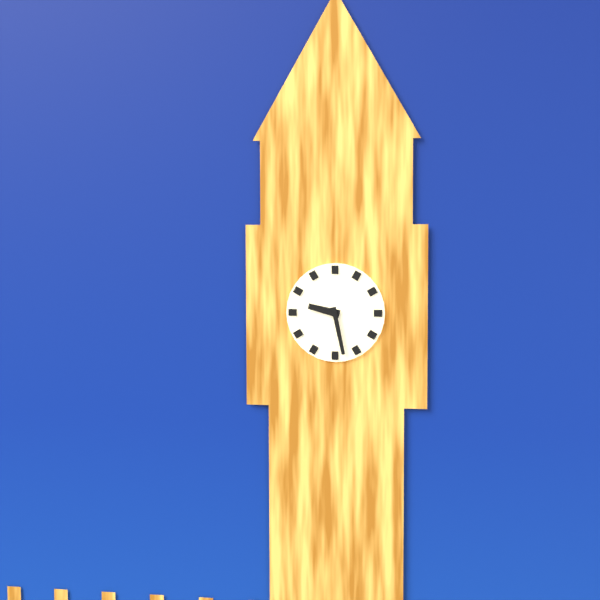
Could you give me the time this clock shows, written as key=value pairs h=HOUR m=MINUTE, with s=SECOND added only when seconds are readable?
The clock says h=9 m=28
